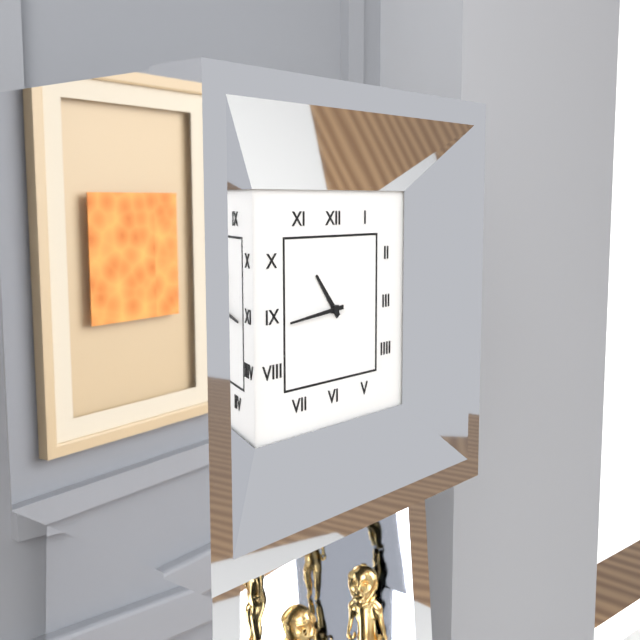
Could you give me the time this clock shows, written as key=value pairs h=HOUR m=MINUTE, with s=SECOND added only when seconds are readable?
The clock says h=10 m=44
